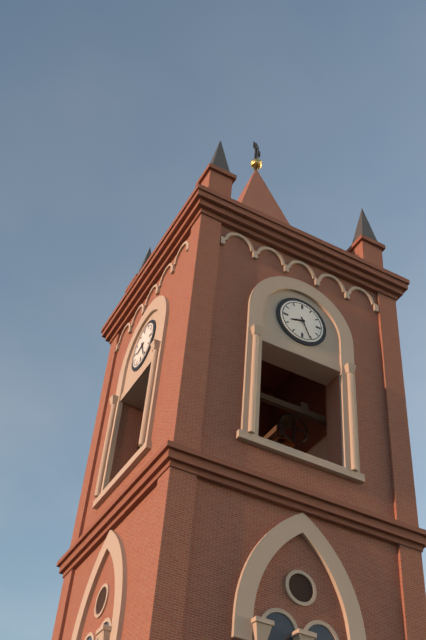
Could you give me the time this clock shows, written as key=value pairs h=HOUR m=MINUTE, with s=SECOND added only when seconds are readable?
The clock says h=8 m=26
